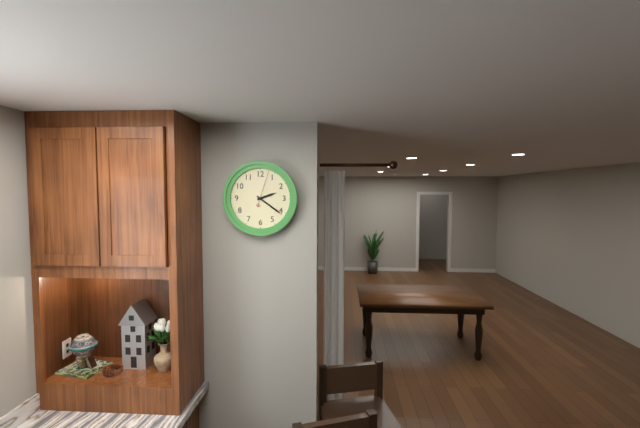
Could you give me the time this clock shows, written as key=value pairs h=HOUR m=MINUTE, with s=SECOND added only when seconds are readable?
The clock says h=2 m=21
